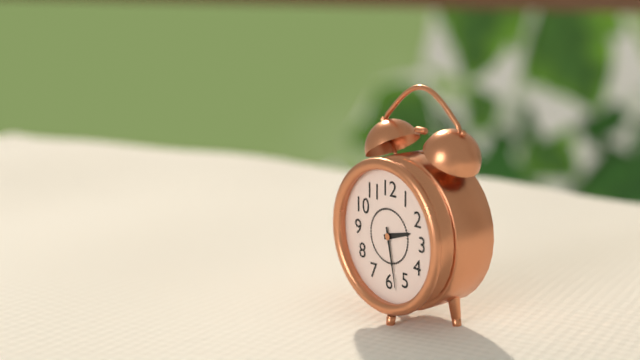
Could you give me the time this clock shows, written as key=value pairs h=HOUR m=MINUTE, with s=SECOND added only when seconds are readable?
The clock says h=2 m=28
